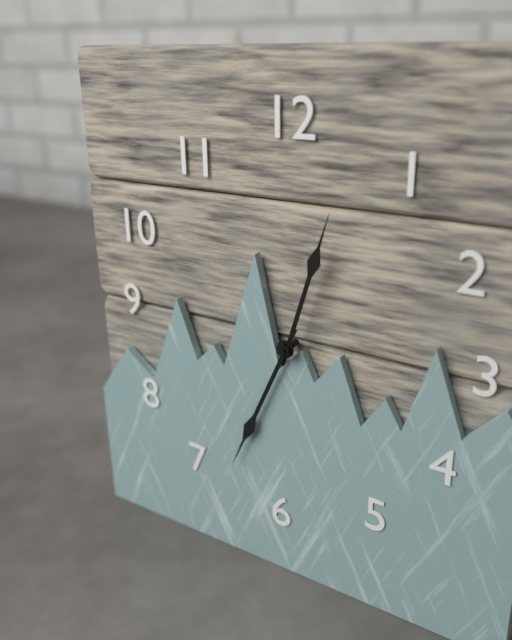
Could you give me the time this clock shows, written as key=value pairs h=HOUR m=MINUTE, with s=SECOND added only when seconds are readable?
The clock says h=12 m=34
